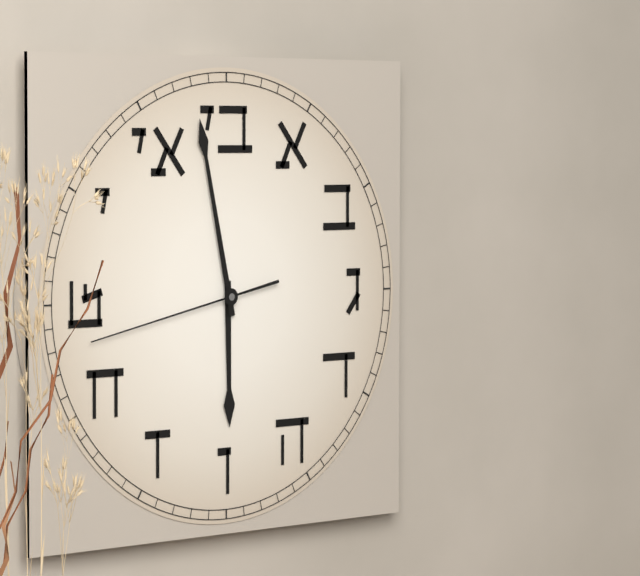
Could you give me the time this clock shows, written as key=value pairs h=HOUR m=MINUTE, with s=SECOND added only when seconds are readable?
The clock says h=5 m=58 s=43
